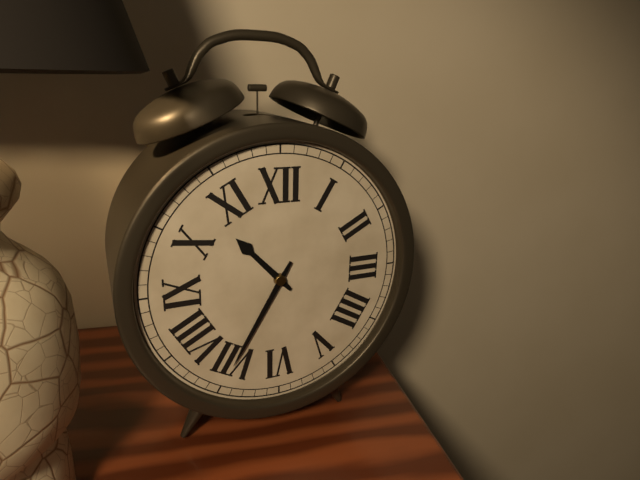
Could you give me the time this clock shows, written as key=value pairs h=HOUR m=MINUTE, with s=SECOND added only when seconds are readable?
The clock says h=10 m=35
